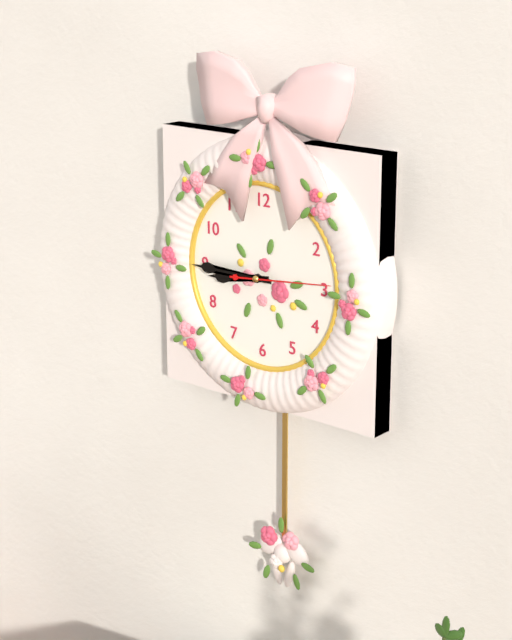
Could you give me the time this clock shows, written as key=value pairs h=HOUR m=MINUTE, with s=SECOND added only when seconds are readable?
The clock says h=8 m=45 s=14
